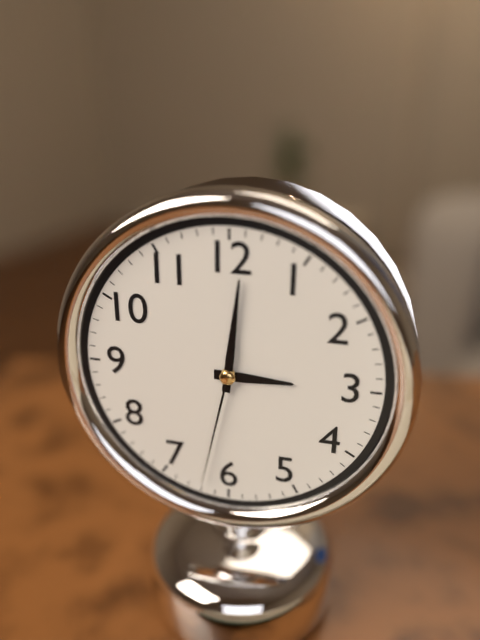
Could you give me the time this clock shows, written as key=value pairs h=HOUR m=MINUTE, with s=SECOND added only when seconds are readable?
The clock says h=3 m=1 s=32
